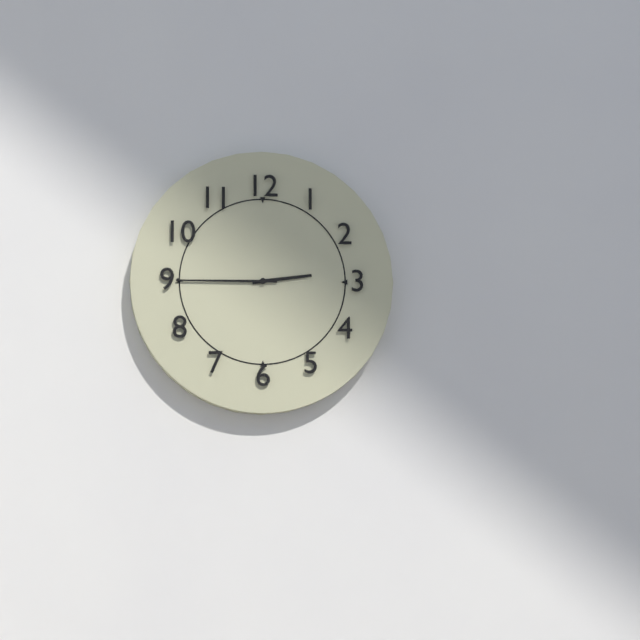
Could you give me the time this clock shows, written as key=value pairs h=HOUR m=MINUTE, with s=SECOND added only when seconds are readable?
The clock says h=2 m=45
